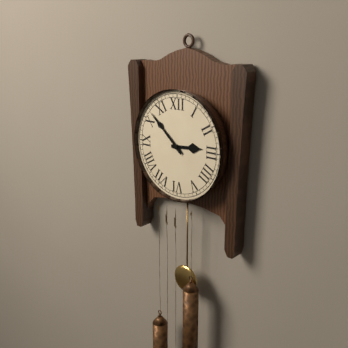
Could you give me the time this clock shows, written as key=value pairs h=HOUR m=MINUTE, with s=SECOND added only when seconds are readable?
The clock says h=2 m=52
